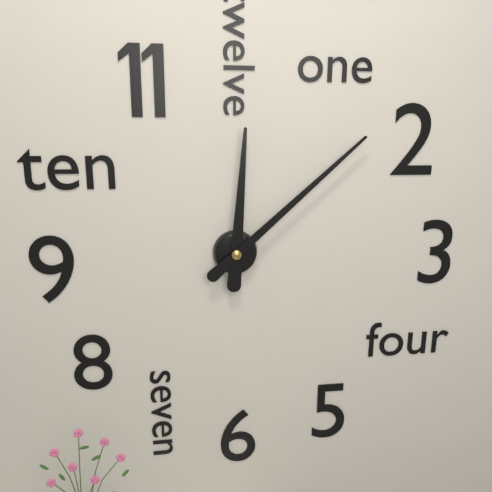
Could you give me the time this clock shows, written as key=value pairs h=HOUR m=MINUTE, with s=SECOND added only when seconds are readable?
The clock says h=12 m=8
